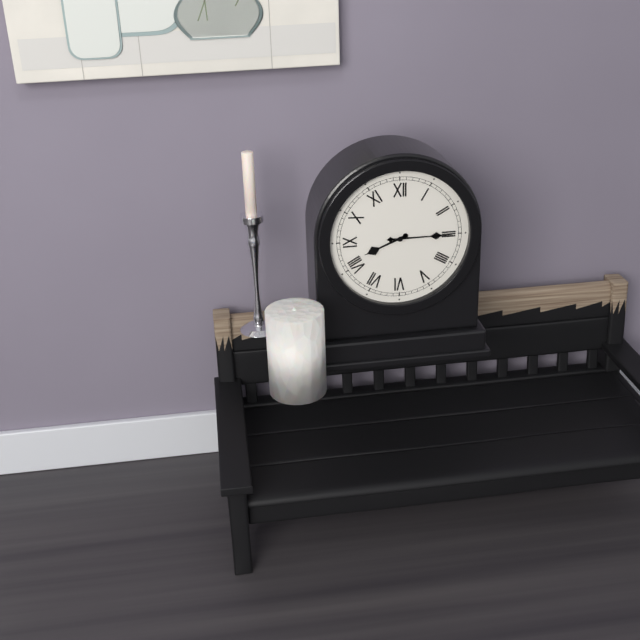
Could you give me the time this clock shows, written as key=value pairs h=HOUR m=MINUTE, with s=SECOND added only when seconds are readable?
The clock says h=8 m=15
